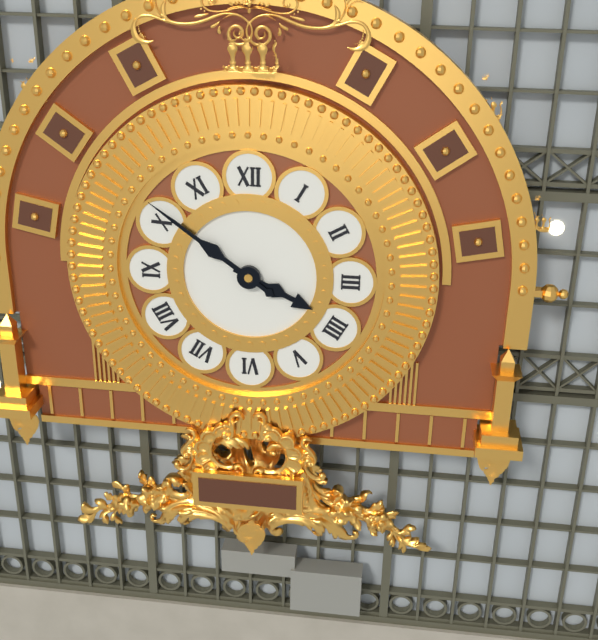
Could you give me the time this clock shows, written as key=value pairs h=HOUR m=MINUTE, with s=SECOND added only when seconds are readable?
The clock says h=3 m=51
